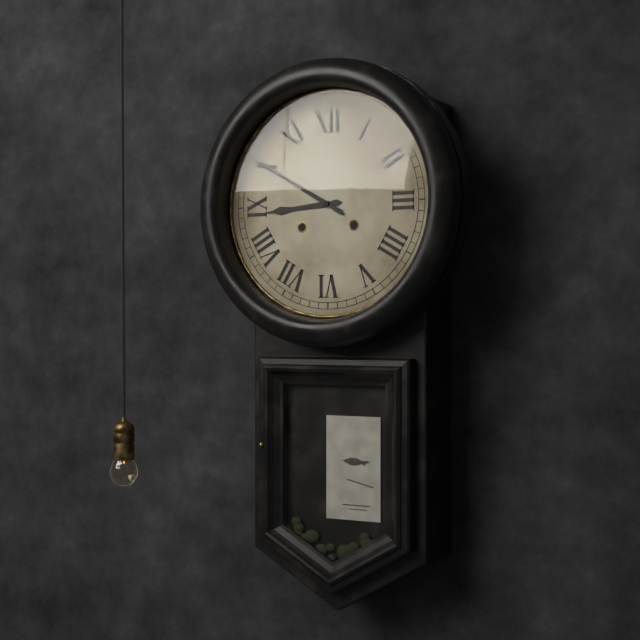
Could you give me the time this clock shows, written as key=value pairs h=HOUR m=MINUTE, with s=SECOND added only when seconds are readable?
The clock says h=8 m=50
